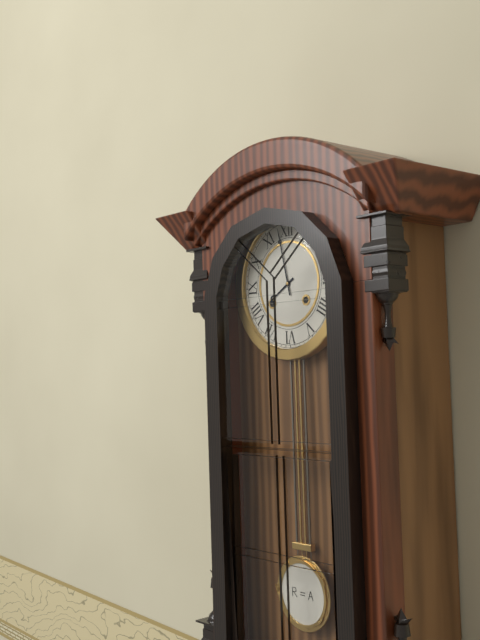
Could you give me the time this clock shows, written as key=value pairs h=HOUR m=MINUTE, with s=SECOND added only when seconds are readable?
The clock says h=7 m=58
